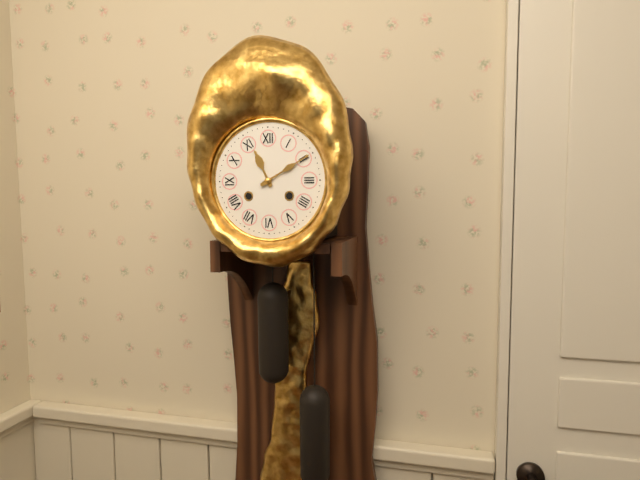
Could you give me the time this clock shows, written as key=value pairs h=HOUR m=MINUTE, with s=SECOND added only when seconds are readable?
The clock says h=11 m=10
